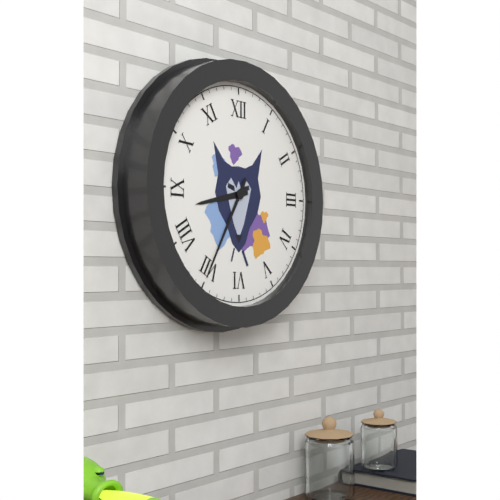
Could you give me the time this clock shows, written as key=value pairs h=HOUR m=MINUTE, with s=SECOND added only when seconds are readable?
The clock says h=8 m=35
